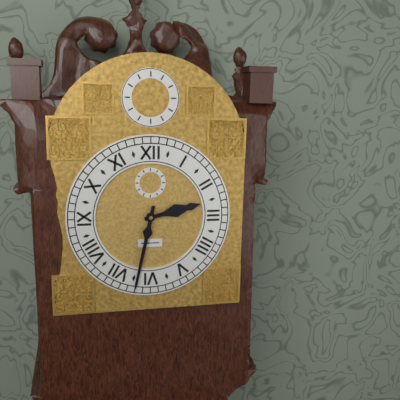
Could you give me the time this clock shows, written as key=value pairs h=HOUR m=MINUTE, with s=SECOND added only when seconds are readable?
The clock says h=2 m=32
